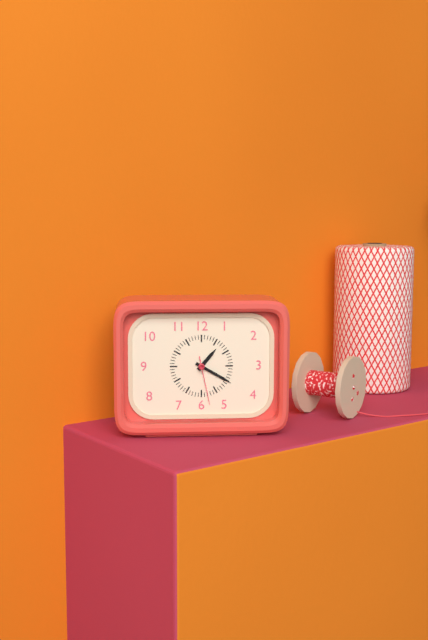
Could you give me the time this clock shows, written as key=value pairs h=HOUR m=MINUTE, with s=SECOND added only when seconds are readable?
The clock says h=1 m=20
